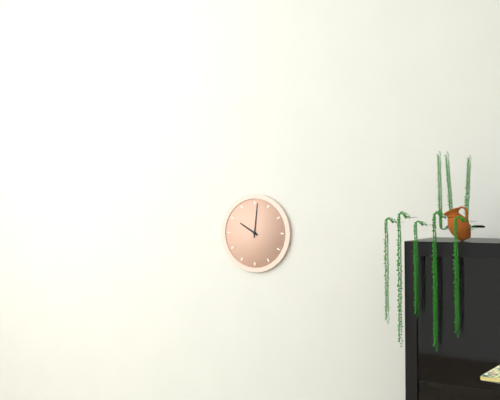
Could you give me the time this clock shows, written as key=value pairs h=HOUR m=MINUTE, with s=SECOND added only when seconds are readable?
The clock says h=10 m=1
